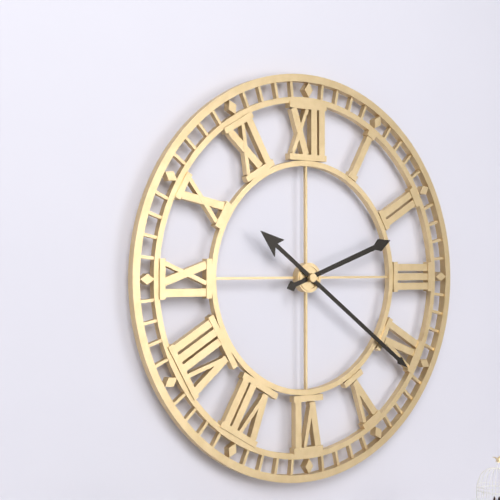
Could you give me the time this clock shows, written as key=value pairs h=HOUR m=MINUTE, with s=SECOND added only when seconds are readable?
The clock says h=2 m=21
